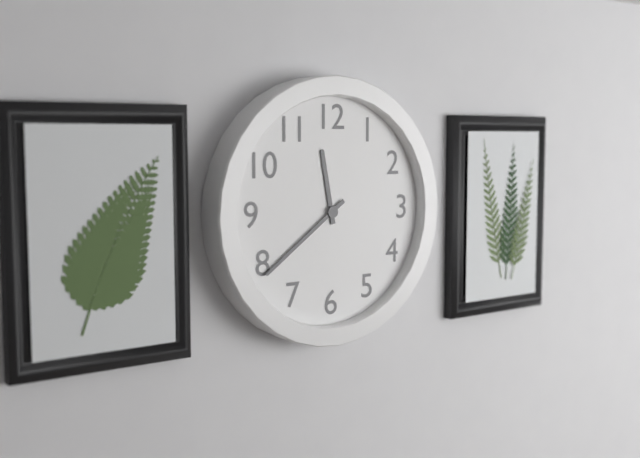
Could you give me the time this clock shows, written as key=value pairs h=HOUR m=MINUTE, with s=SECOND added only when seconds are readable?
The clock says h=11 m=39
